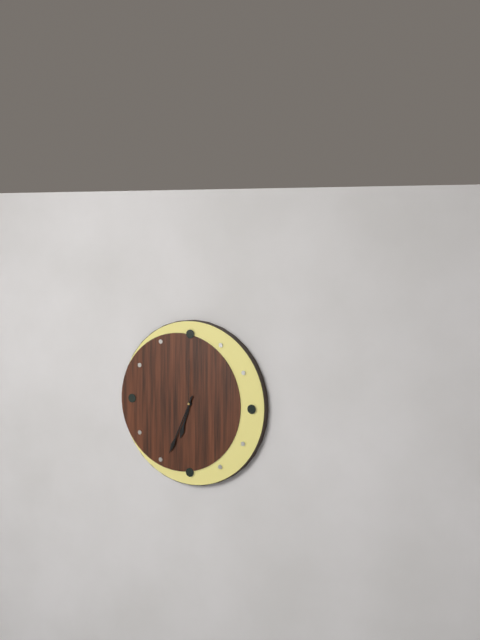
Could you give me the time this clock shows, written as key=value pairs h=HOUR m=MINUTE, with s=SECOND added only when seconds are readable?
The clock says h=6 m=34 s=0
